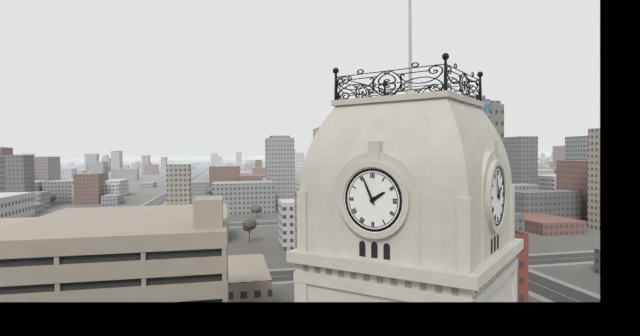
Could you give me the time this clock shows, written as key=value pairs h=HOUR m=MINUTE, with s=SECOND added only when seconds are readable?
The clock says h=1 m=56
